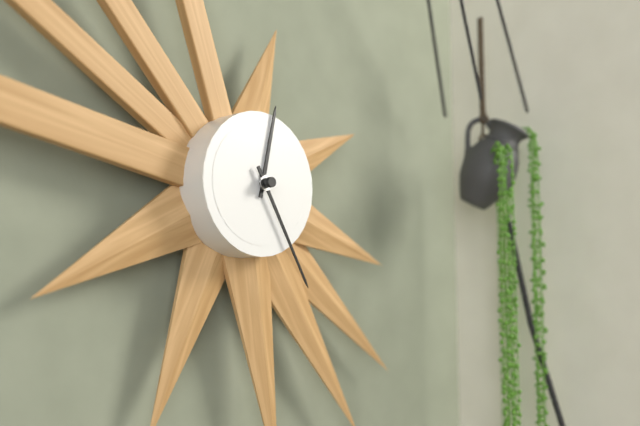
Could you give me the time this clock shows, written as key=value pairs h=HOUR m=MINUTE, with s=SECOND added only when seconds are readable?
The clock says h=12 m=25
